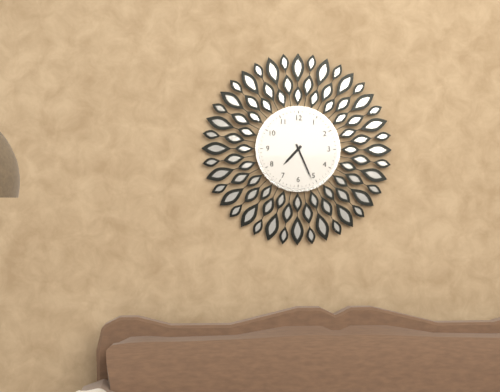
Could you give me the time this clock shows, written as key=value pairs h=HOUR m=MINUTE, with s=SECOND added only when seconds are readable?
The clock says h=7 m=26
